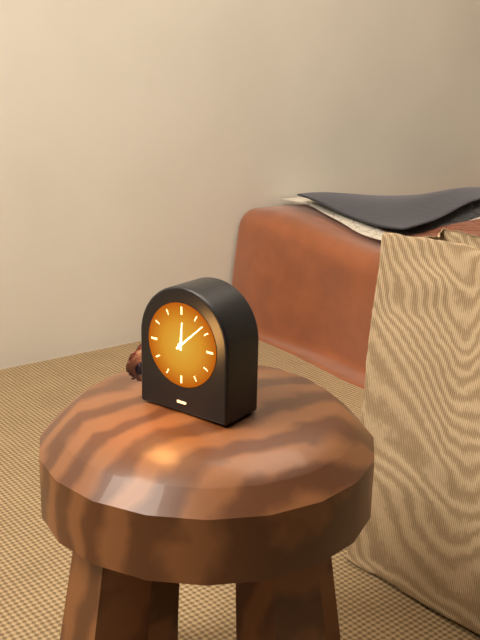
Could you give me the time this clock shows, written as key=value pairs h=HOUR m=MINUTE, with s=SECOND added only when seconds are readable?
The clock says h=12 m=8
